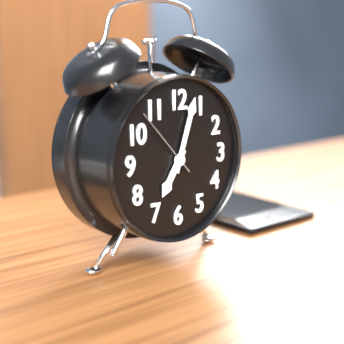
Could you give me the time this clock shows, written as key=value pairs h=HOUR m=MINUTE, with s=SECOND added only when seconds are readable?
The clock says h=7 m=3 s=53
